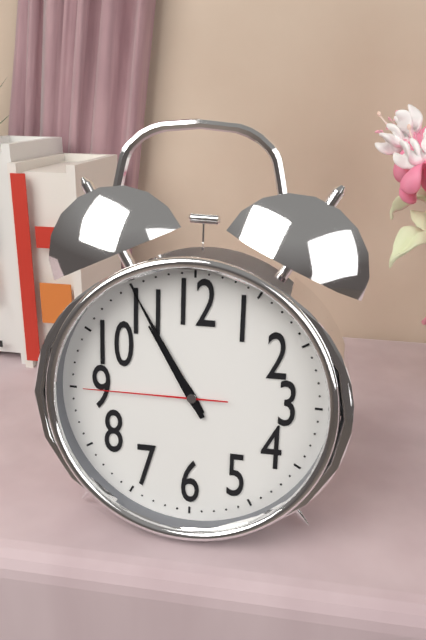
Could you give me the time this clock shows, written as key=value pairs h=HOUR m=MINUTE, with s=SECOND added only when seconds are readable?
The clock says h=10 m=55 s=45
